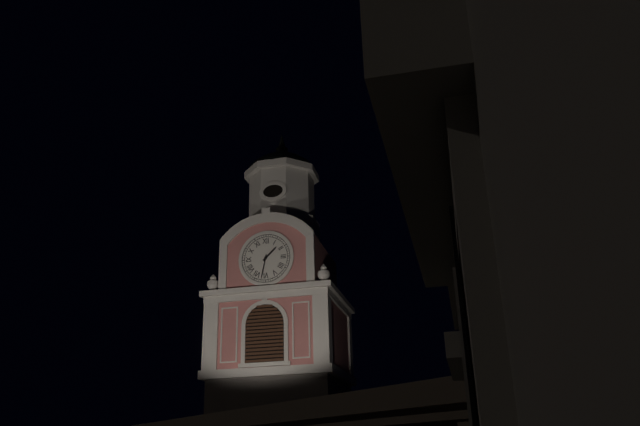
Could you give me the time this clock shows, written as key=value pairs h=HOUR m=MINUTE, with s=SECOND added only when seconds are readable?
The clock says h=1 m=32
